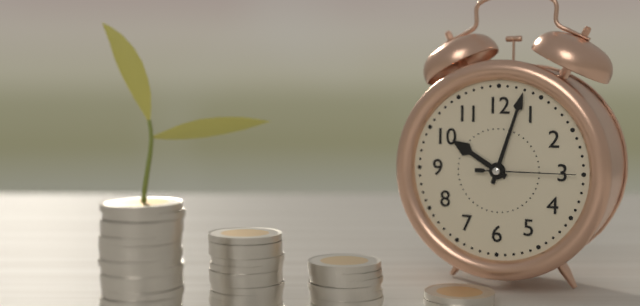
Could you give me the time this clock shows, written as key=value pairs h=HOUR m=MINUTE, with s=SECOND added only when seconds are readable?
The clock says h=10 m=3 s=15
